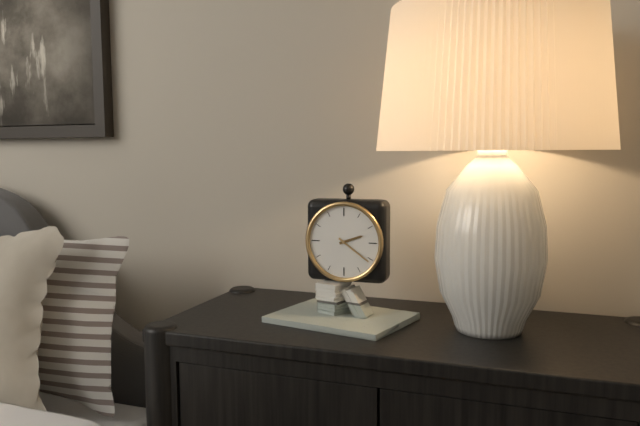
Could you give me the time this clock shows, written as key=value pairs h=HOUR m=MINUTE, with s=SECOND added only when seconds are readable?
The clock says h=2 m=21
